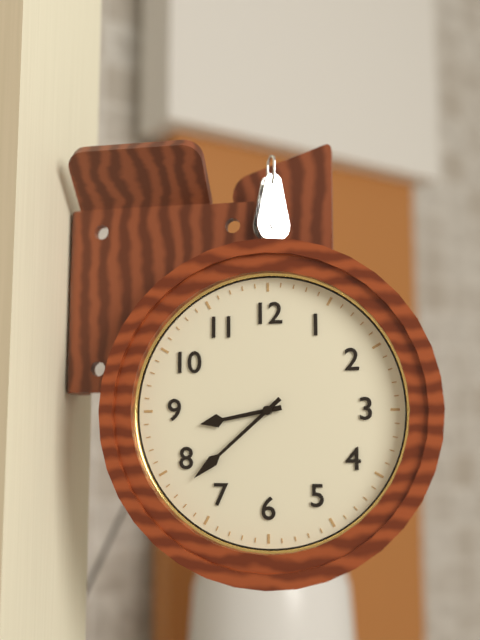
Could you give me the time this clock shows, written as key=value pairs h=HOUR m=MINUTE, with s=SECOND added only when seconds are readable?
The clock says h=8 m=38
